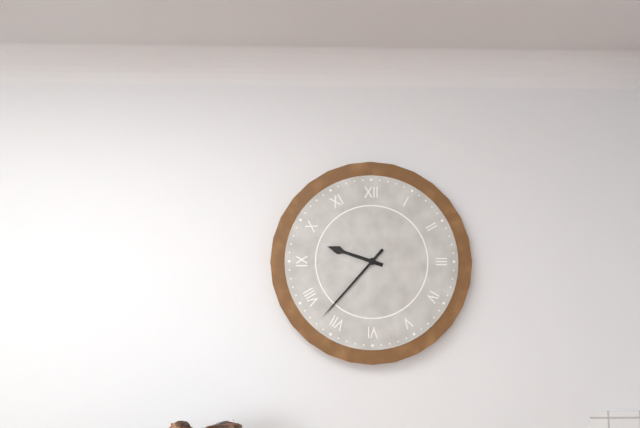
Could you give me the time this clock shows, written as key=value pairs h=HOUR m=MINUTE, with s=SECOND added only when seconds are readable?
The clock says h=9 m=37
